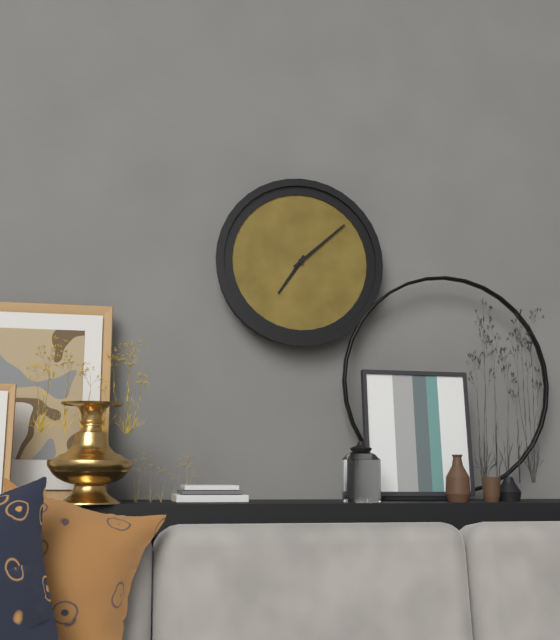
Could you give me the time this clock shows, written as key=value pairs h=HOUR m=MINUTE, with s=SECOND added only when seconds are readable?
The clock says h=7 m=8
